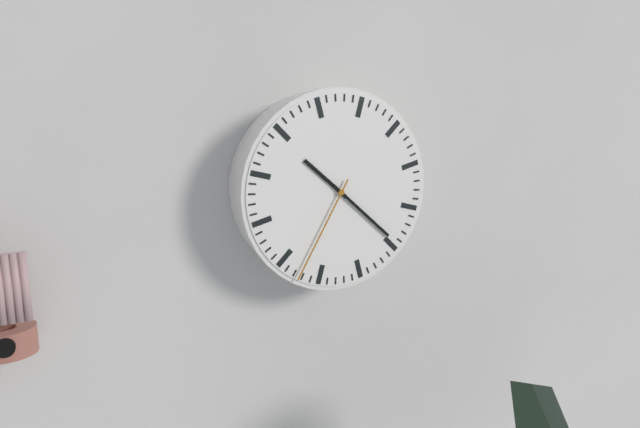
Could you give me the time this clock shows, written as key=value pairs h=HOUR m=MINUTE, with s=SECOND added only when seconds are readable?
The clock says h=10 m=22 s=35
